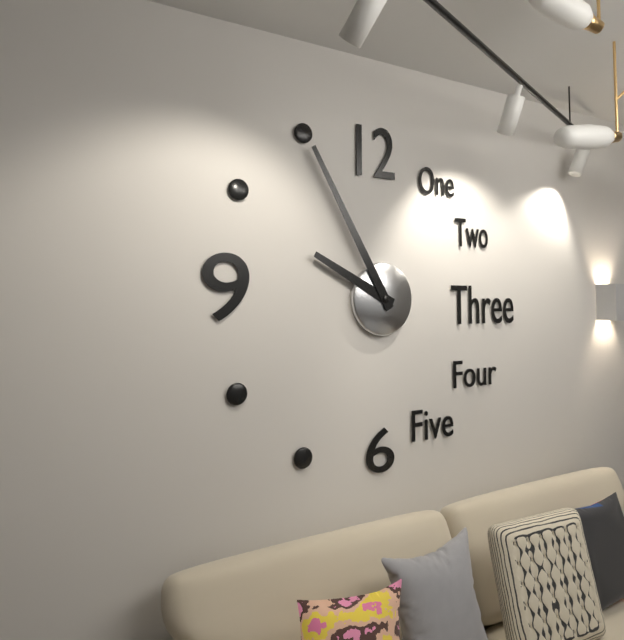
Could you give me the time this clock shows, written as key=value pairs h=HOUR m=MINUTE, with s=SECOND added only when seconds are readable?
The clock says h=9 m=55
